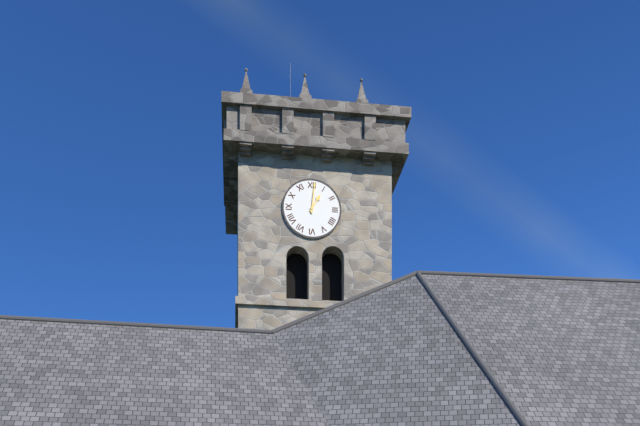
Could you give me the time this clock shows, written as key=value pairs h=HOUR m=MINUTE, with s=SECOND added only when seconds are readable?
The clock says h=1 m=1
